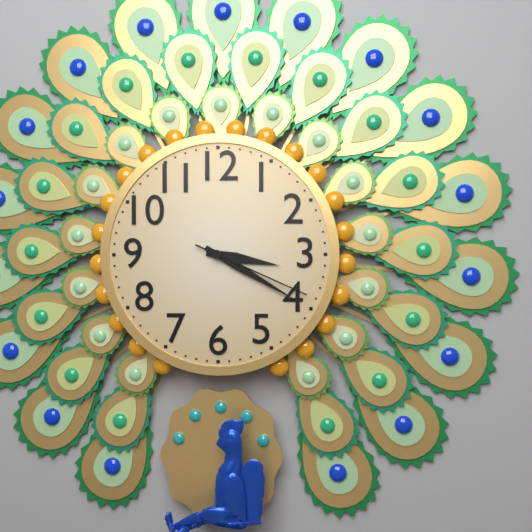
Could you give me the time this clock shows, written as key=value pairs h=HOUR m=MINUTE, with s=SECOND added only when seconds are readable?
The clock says h=3 m=20 s=19
